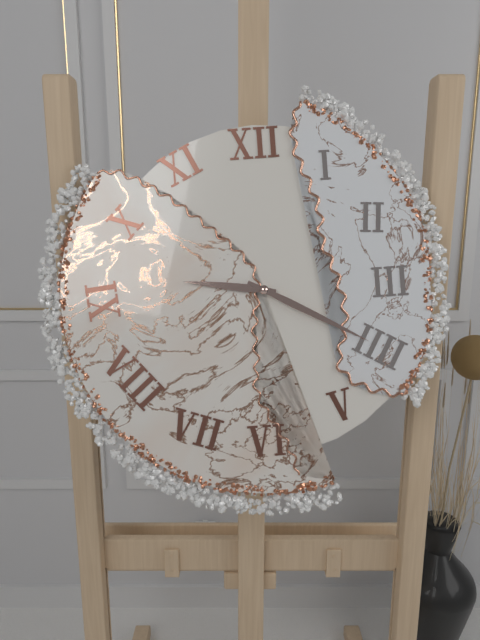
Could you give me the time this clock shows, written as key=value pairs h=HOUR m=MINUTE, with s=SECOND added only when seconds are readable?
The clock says h=9 m=20
